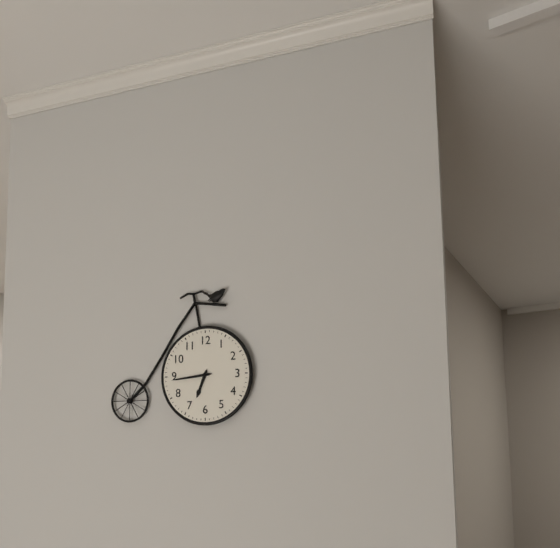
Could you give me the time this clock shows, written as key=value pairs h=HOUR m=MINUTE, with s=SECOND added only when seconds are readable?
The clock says h=6 m=44
